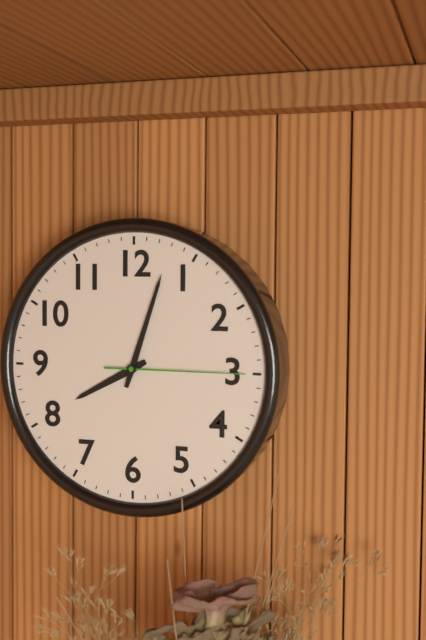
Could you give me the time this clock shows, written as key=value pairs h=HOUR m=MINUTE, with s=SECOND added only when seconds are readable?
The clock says h=8 m=3 s=15
